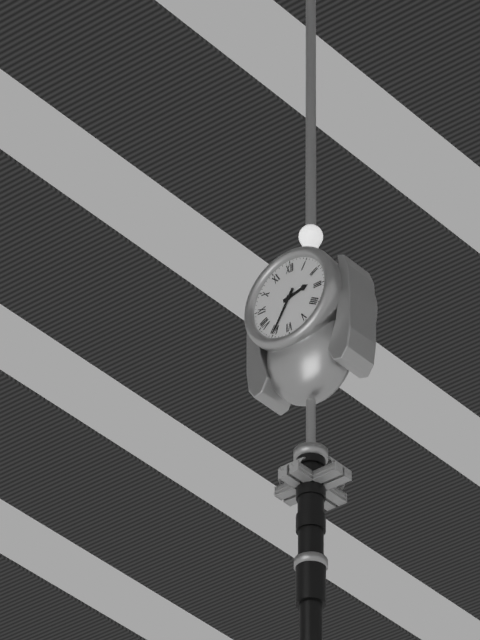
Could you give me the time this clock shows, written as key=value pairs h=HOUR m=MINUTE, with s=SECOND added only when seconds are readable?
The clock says h=2 m=35
